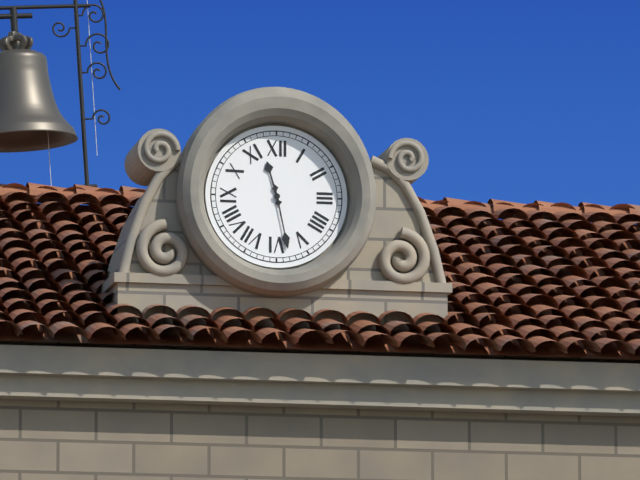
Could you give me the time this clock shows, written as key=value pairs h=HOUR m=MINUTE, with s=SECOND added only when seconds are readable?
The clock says h=11 m=28
